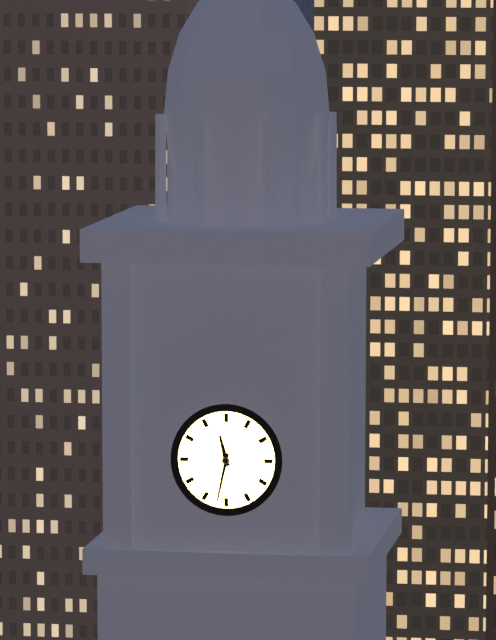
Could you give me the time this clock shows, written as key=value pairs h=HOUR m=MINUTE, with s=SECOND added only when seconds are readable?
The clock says h=11 m=32
